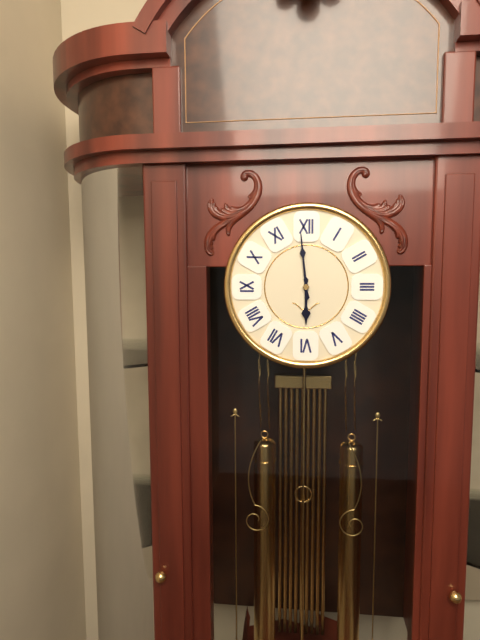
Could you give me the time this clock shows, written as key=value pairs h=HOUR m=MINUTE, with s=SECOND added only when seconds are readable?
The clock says h=5 m=59
